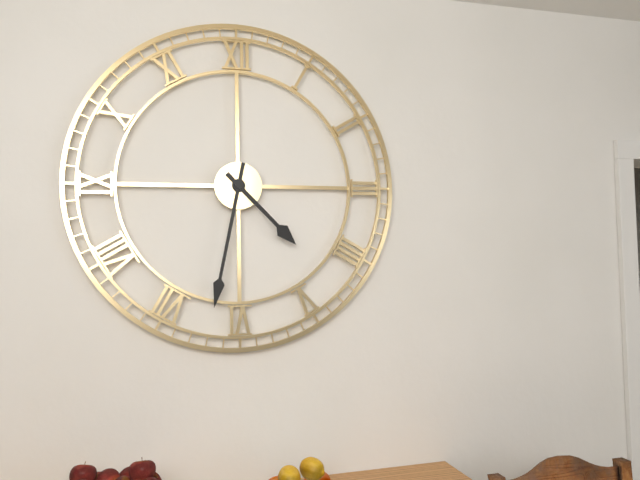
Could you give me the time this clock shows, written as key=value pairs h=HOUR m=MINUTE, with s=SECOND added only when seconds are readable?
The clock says h=4 m=32
